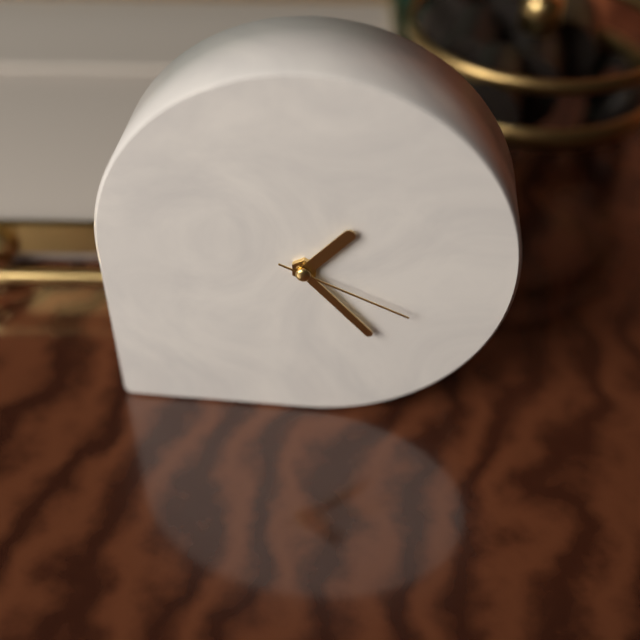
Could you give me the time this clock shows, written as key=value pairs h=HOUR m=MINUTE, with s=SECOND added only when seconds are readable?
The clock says h=1 m=23 s=19
